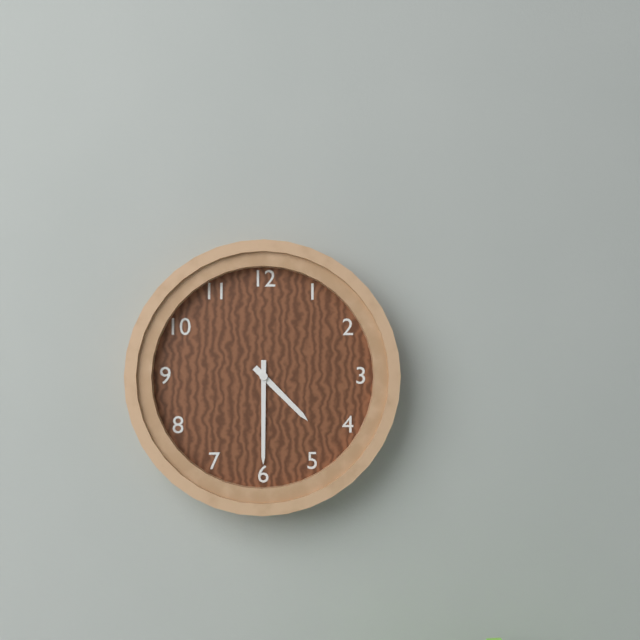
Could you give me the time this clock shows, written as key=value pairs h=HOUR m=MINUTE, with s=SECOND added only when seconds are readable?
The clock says h=4 m=30
